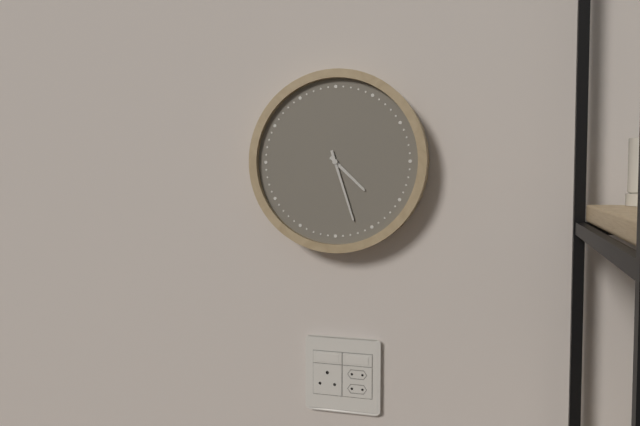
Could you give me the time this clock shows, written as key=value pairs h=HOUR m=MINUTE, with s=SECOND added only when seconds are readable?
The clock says h=4 m=27
